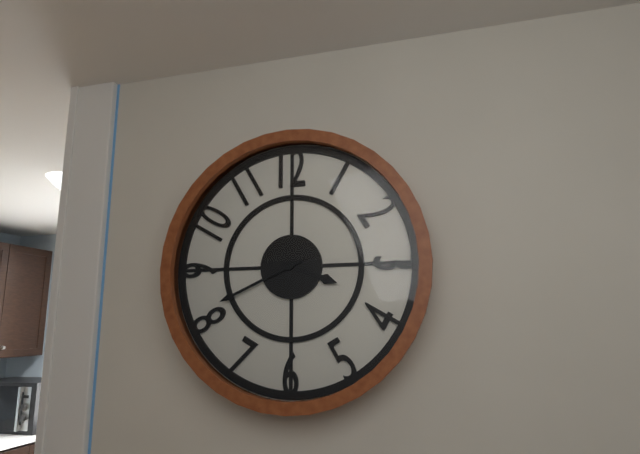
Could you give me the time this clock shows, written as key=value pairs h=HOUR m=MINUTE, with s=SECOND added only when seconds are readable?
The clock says h=3 m=41
